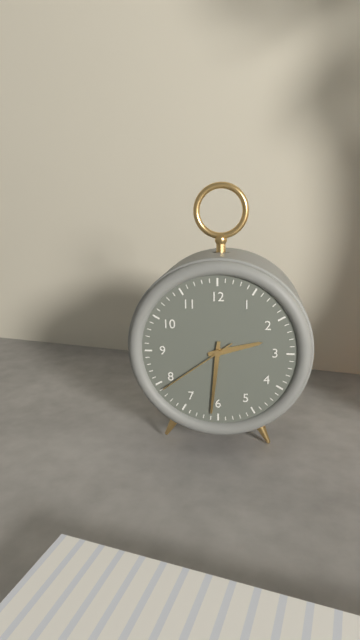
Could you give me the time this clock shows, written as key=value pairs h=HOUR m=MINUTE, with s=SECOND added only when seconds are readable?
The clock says h=2 m=31 s=39
